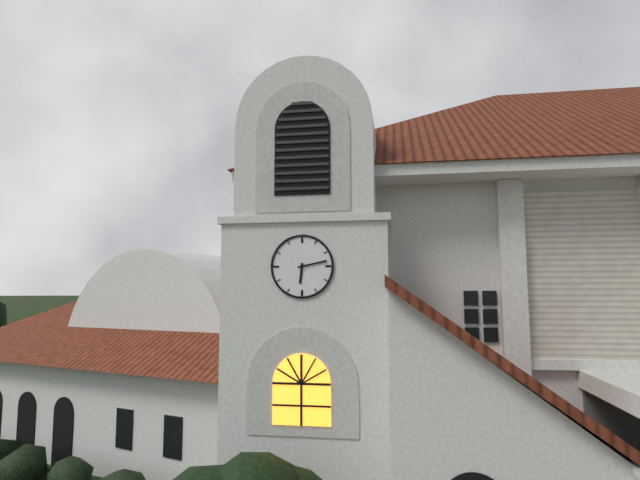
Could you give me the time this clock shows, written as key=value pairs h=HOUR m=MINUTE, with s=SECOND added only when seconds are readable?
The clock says h=6 m=13
